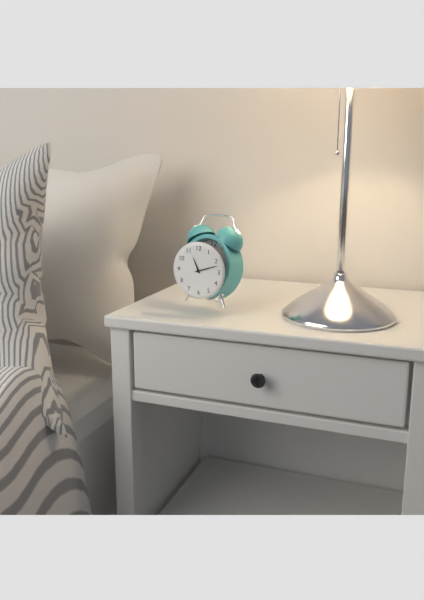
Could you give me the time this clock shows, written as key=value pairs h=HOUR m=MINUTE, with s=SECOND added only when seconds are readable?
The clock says h=11 m=12
